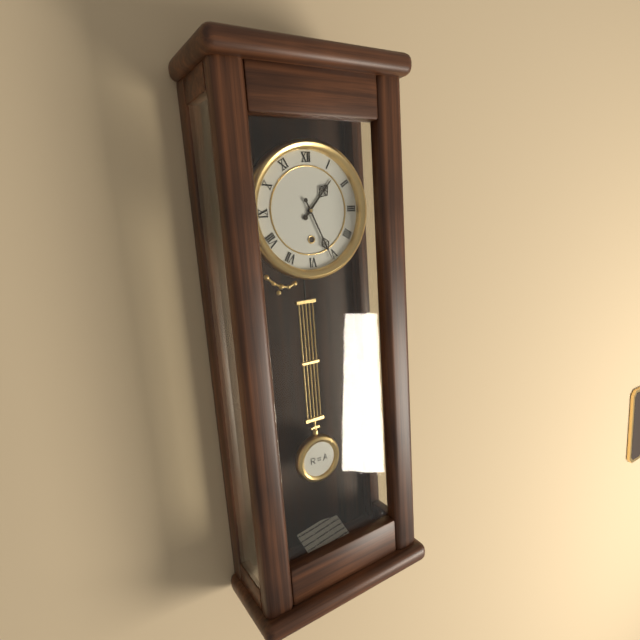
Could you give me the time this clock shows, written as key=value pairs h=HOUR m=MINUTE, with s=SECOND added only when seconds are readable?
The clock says h=1 m=26
